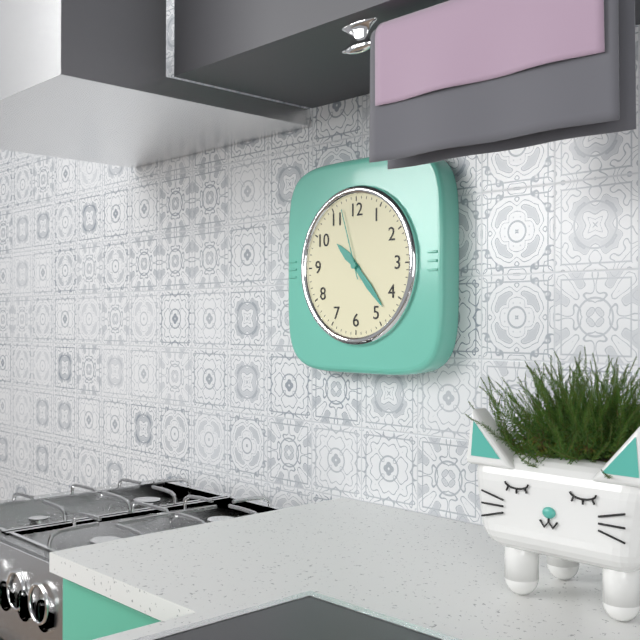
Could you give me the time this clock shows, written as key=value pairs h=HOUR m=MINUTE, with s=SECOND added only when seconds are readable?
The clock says h=10 m=23 s=57
